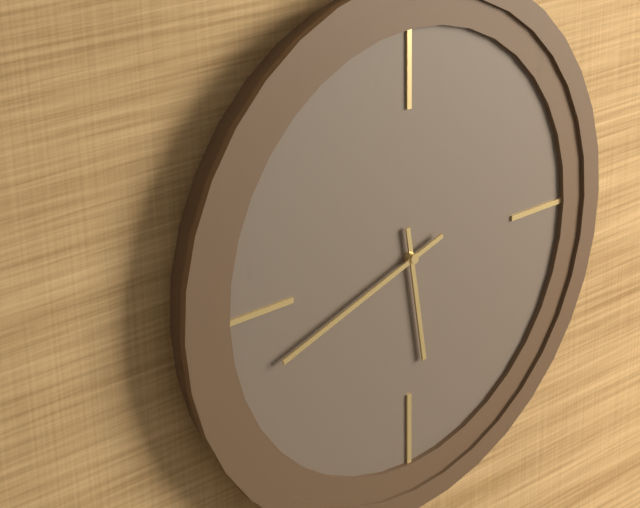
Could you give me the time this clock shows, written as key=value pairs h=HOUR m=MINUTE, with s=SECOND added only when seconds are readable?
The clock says h=5 m=42
